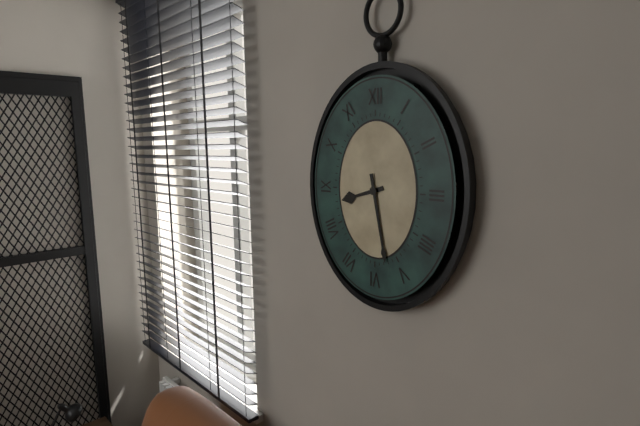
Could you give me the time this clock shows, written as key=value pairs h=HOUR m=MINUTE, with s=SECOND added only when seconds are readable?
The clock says h=8 m=28
